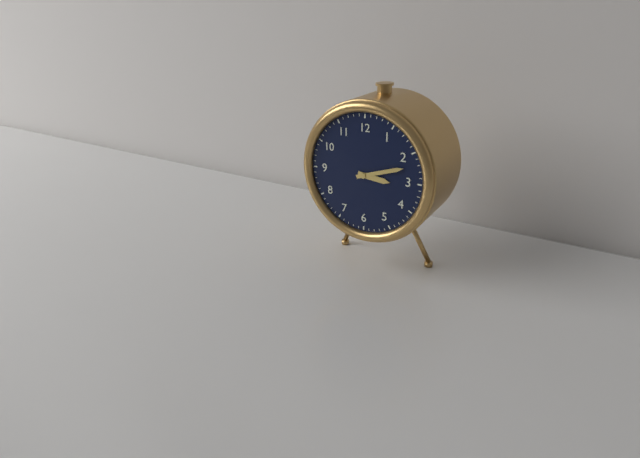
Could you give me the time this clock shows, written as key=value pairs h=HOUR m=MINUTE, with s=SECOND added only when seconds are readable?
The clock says h=3 m=12
